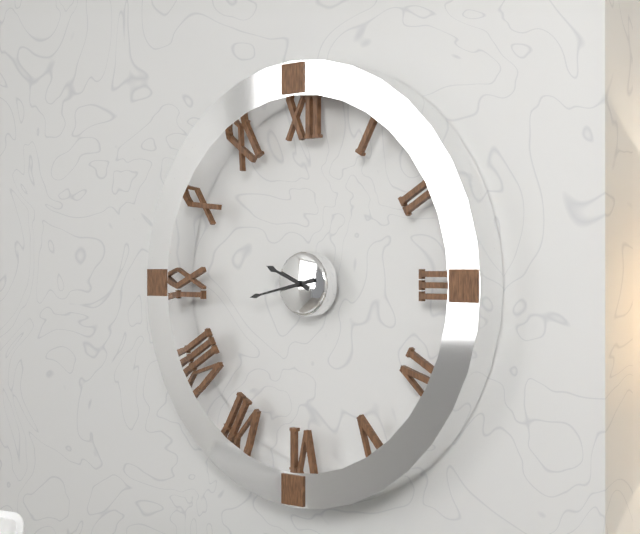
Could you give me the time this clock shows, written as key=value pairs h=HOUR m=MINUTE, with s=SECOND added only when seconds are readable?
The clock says h=9 m=43
